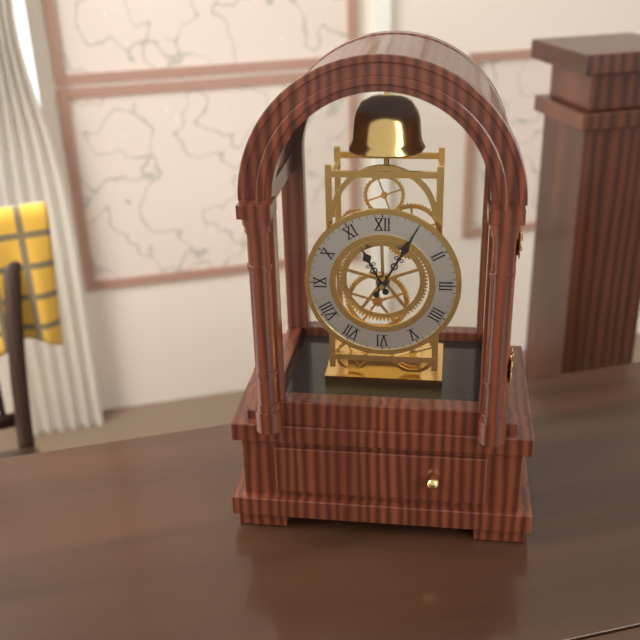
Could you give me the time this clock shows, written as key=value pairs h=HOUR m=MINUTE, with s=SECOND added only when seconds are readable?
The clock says h=11 m=5
